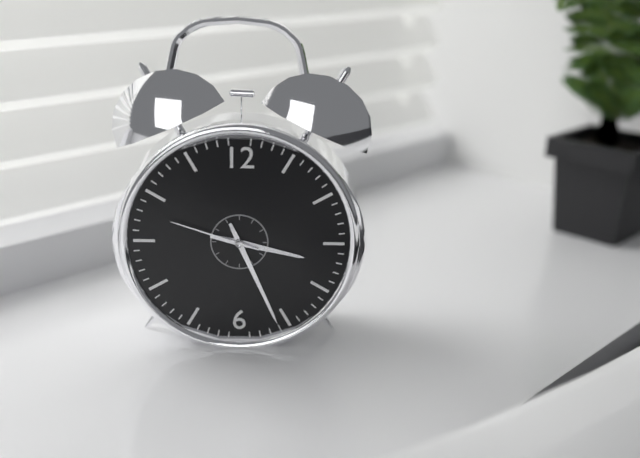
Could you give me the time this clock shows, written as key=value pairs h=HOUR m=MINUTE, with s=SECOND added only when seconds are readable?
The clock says h=3 m=26 s=48
